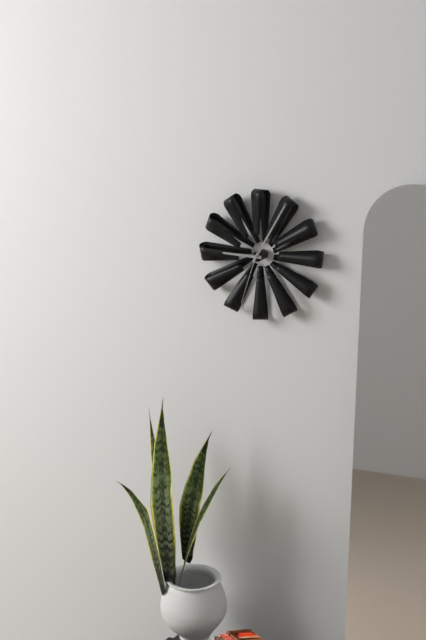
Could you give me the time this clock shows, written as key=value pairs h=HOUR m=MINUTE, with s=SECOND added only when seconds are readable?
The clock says h=9 m=5 s=33
